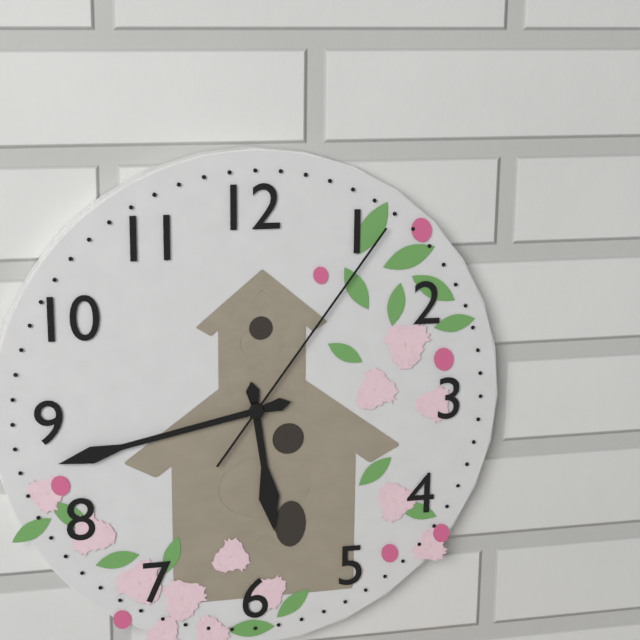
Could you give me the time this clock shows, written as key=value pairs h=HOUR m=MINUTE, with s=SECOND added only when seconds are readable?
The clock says h=5 m=43 s=6
